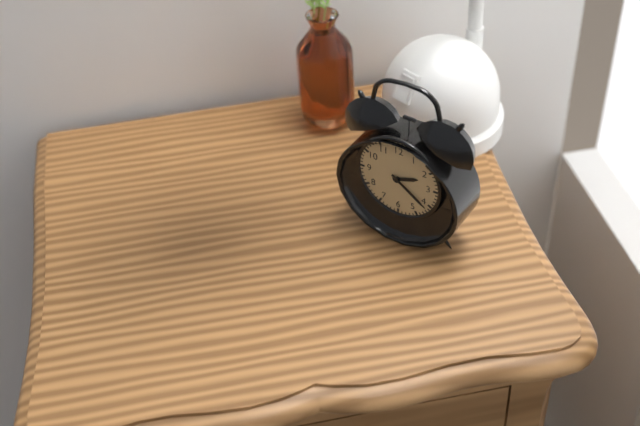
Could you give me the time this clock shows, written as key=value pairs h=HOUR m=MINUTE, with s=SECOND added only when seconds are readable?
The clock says h=2 m=21
